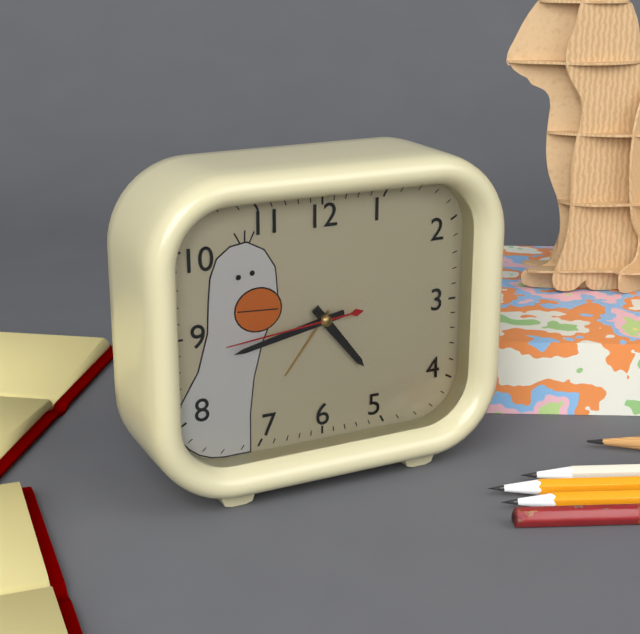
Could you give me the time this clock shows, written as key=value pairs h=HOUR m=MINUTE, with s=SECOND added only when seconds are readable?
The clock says h=4 m=43 s=44
